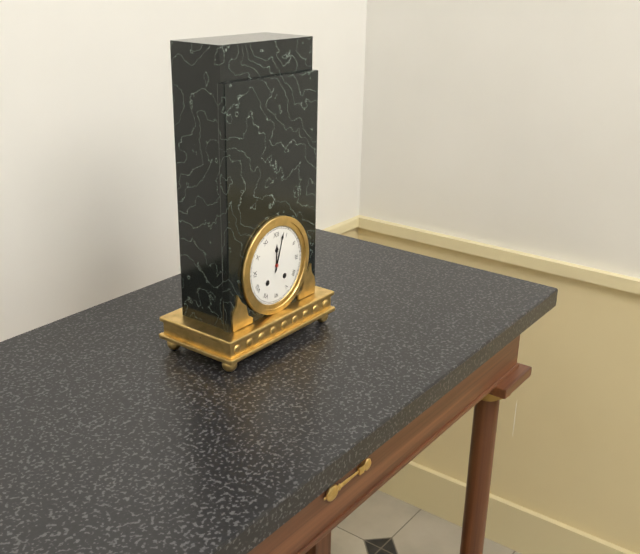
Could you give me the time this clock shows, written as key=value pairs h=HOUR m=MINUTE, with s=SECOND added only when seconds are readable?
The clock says h=12 m=3
